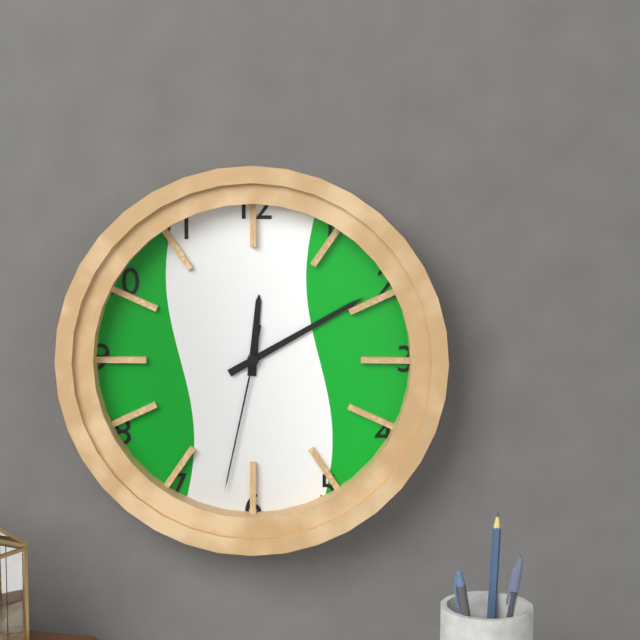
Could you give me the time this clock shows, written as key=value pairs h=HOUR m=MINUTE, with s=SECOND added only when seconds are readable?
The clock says h=12 m=10 s=32
